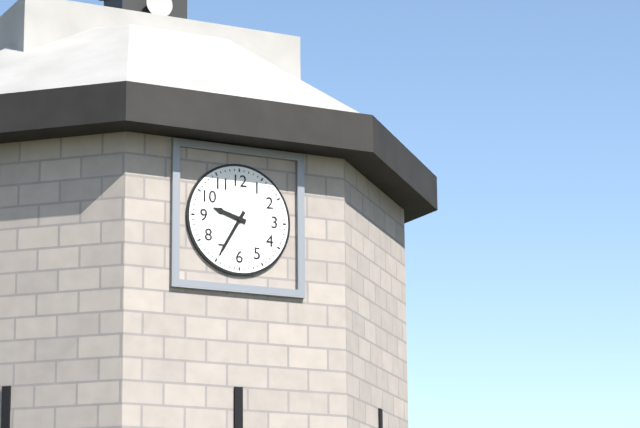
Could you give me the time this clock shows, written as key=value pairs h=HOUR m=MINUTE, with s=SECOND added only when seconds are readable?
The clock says h=9 m=35
